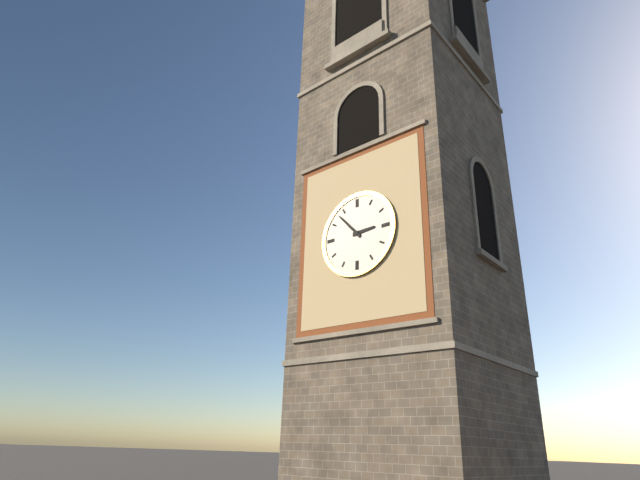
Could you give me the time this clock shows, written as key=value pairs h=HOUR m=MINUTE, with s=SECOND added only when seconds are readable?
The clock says h=2 m=53
